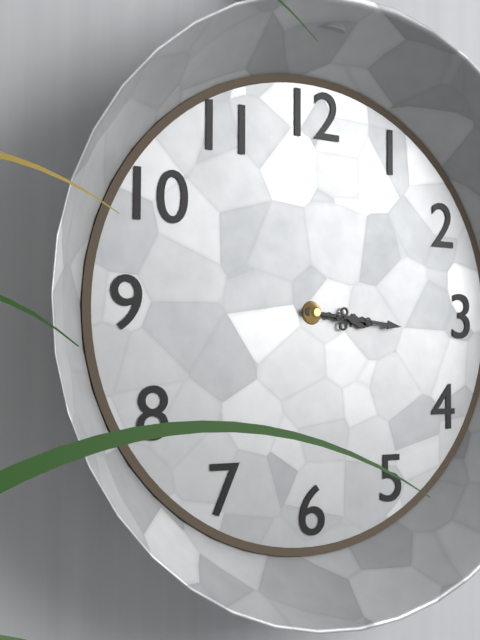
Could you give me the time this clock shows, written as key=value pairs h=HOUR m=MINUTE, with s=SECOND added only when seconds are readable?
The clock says h=3 m=16
